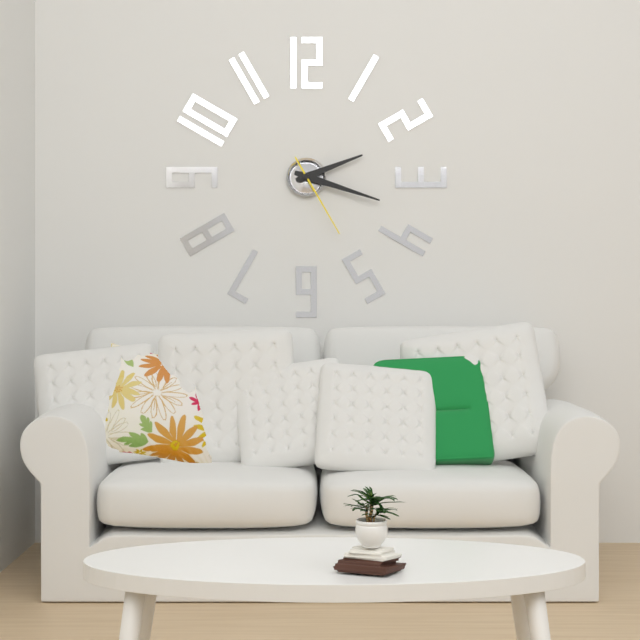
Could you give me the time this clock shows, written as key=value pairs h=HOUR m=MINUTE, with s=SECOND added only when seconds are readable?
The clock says h=2 m=18 s=25
